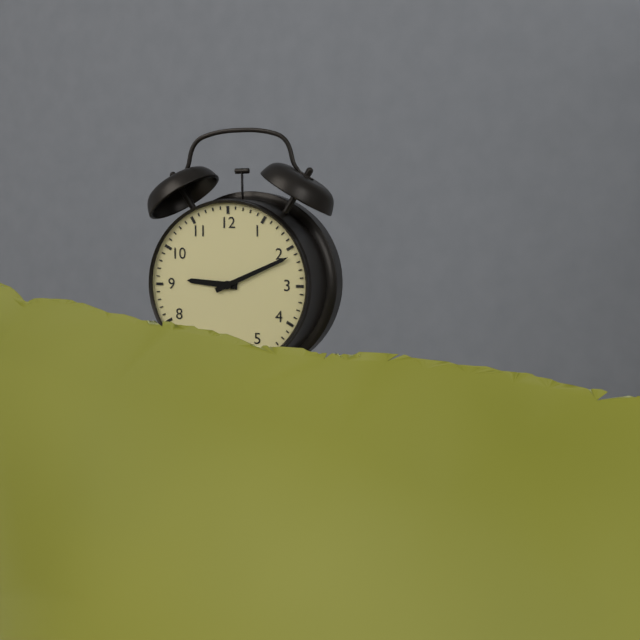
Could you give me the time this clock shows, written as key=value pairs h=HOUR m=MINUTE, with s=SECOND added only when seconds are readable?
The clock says h=9 m=11
